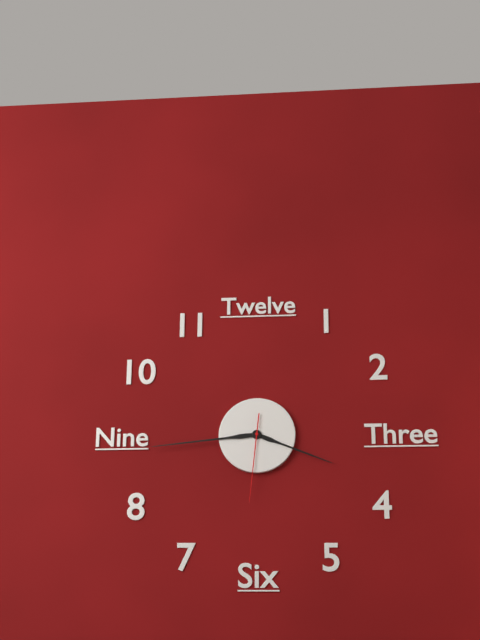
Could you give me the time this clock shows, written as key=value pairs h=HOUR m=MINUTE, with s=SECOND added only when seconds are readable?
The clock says h=3 m=44 s=31
